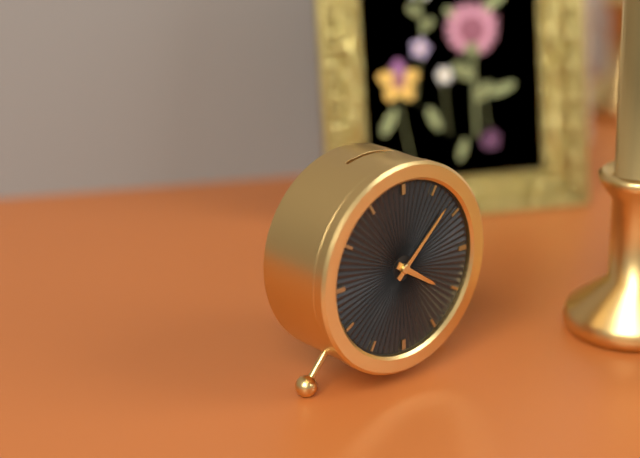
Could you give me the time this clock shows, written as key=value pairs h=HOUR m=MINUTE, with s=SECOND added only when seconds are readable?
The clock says h=4 m=8
